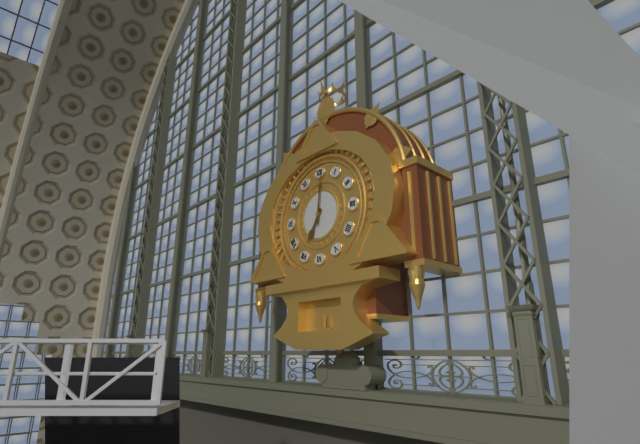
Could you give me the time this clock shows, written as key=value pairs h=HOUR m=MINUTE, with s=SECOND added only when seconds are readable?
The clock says h=7 m=1
